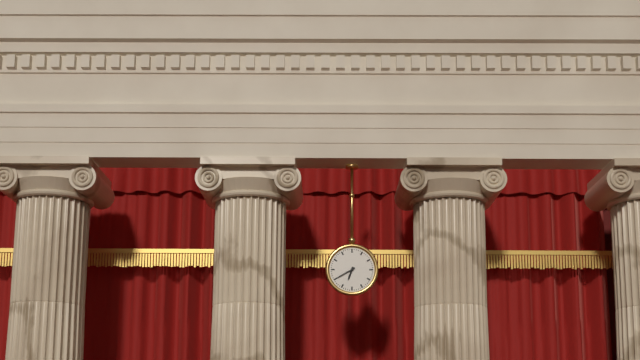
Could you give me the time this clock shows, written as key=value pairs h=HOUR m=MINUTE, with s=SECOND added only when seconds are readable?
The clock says h=6 m=40
